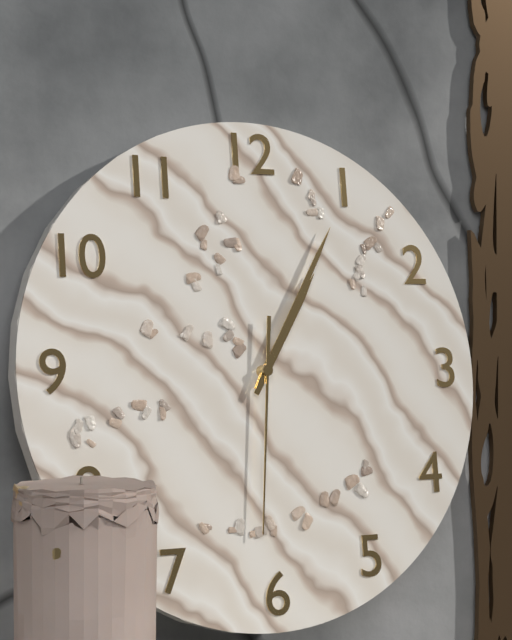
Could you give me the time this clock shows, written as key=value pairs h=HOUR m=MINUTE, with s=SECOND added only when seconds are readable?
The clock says h=1 m=5 s=31
